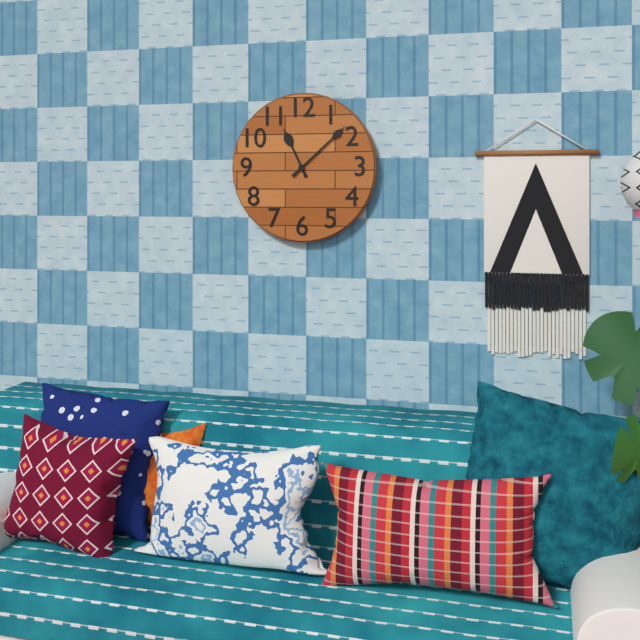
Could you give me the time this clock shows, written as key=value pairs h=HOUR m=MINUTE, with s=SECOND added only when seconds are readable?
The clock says h=11 m=8
